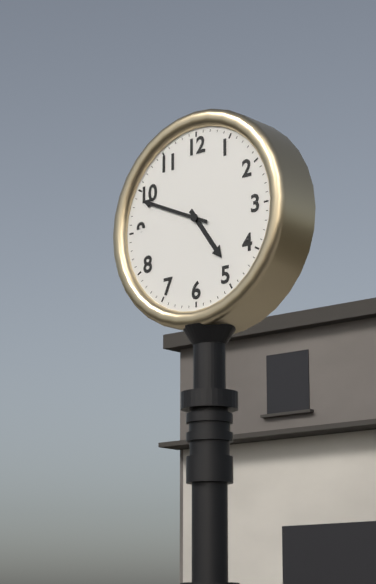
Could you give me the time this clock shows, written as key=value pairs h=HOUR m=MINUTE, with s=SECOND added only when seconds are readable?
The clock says h=4 m=49
